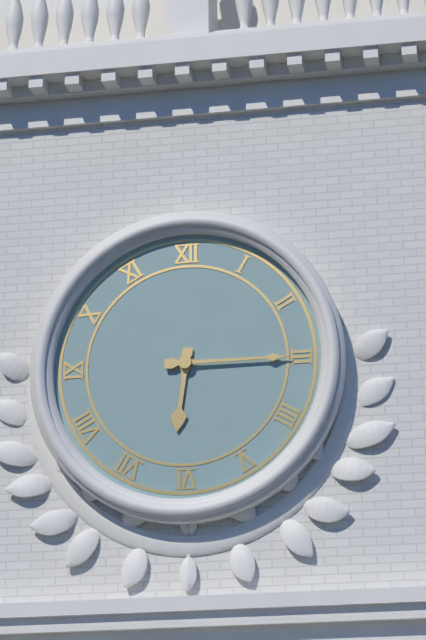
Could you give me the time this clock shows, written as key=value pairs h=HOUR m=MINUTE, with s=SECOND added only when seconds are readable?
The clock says h=6 m=15
